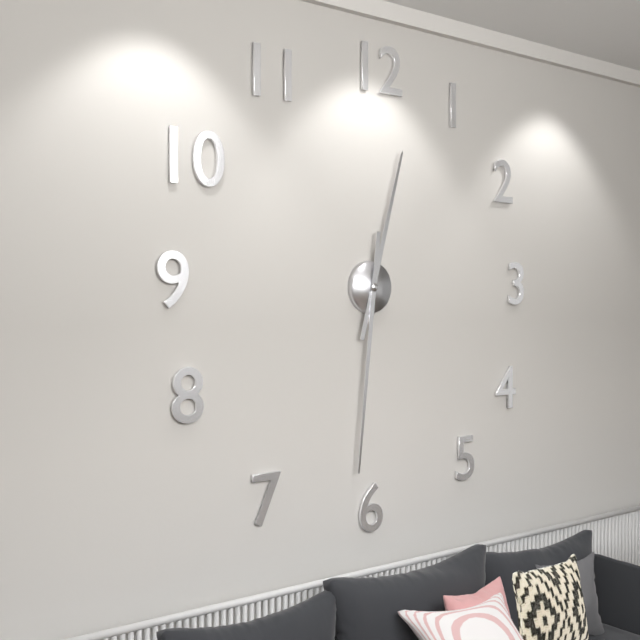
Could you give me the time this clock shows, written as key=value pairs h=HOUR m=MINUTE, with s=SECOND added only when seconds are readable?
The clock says h=12 m=31
